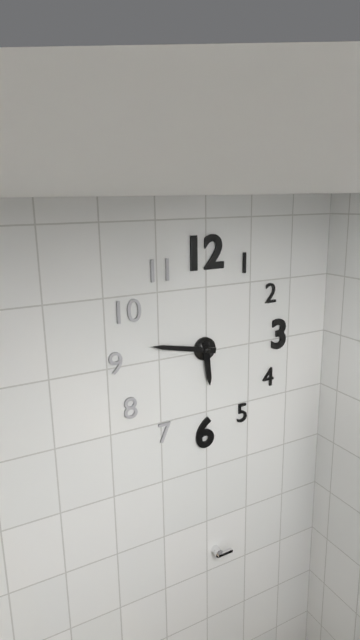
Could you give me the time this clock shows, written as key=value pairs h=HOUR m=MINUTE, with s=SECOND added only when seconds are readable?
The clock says h=5 m=47
